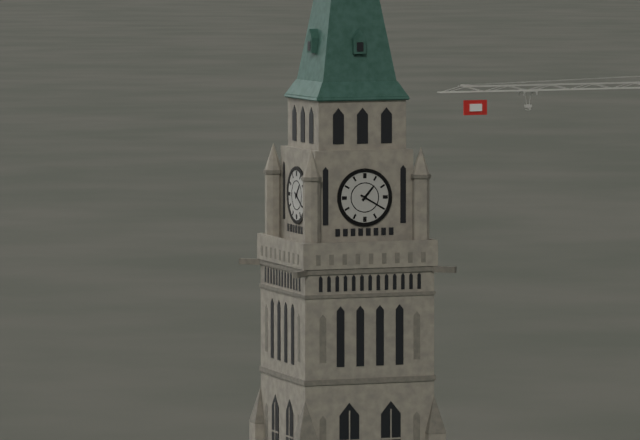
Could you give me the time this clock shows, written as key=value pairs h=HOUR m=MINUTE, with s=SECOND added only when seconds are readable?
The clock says h=1 m=20
